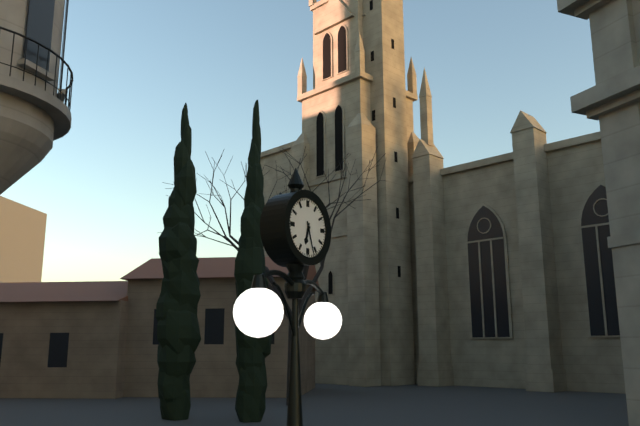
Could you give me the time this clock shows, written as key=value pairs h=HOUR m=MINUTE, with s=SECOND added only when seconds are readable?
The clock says h=6 m=27
